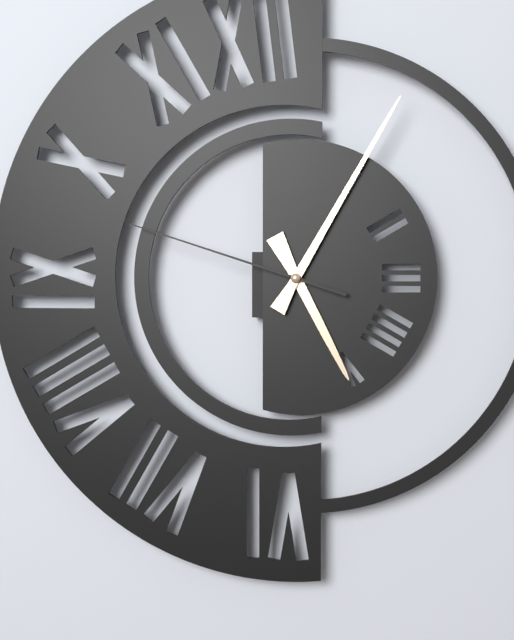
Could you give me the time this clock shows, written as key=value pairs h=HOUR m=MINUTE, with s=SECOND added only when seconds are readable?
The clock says h=5 m=5 s=48
